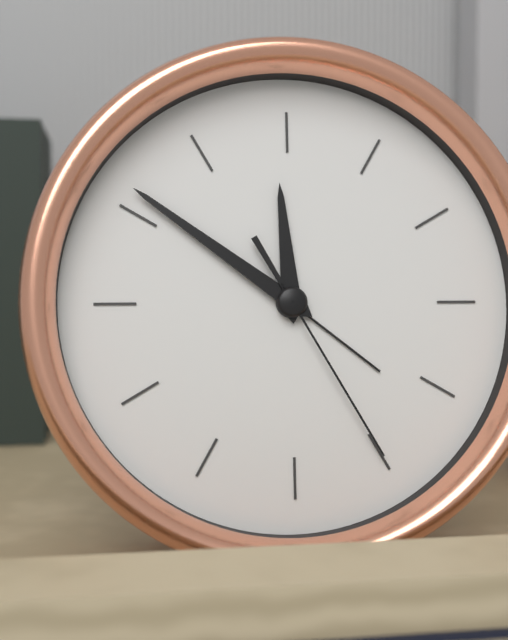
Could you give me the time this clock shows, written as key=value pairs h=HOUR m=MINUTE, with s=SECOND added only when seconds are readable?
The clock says h=11 m=51 s=25
